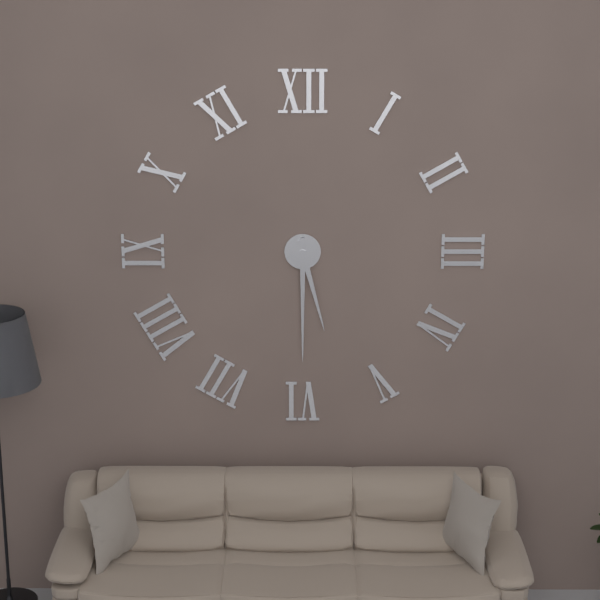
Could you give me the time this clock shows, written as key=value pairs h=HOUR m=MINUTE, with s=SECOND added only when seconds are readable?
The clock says h=5 m=30
